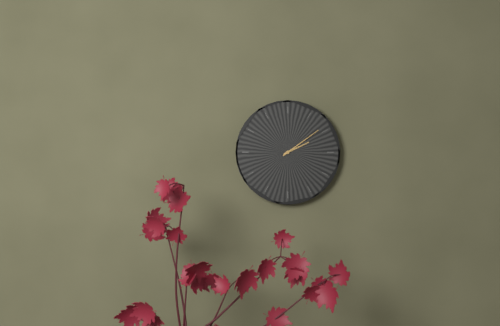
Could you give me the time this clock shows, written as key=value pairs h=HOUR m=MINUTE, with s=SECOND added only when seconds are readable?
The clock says h=2 m=9
